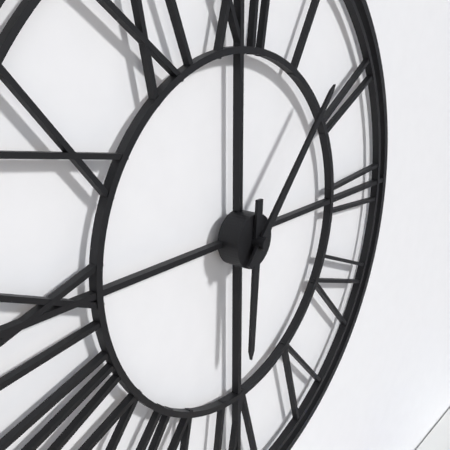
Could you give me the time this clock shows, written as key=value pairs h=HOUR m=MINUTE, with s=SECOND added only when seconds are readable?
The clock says h=6 m=7
